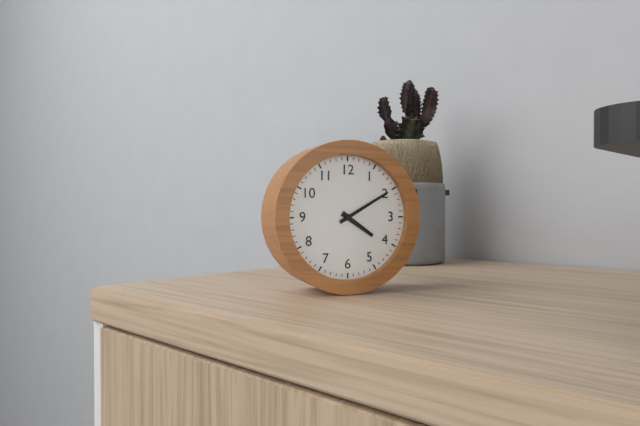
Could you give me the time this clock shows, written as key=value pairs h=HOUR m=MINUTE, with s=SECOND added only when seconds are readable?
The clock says h=4 m=10
